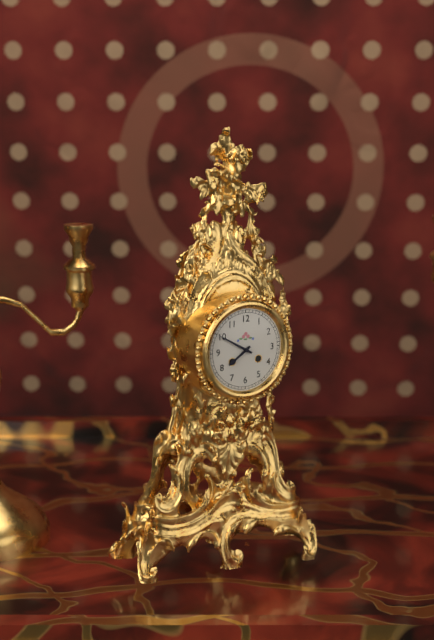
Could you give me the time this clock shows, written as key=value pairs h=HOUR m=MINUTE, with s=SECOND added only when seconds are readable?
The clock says h=7 m=50
